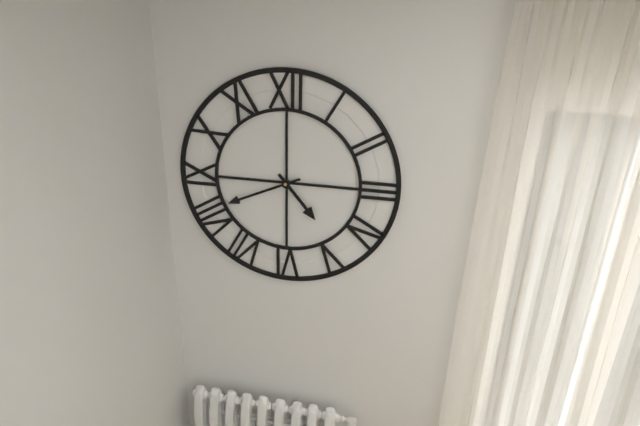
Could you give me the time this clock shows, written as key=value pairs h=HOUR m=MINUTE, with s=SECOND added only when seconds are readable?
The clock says h=4 m=41
